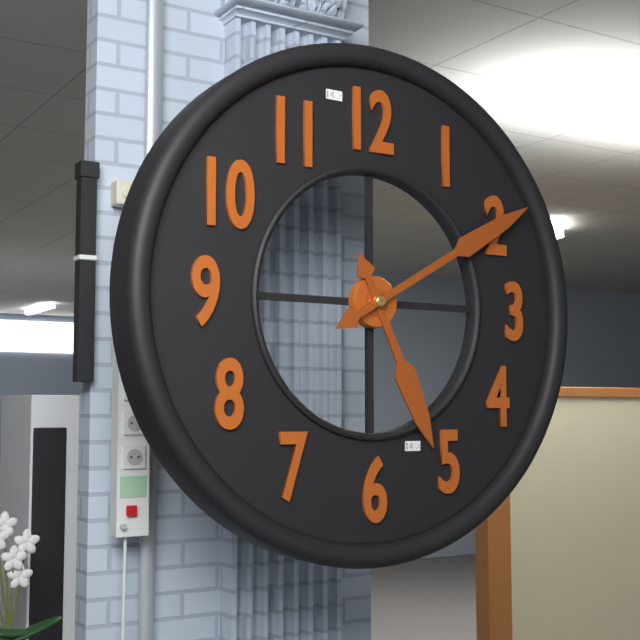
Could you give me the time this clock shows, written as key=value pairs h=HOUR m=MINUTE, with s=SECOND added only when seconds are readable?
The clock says h=5 m=10
